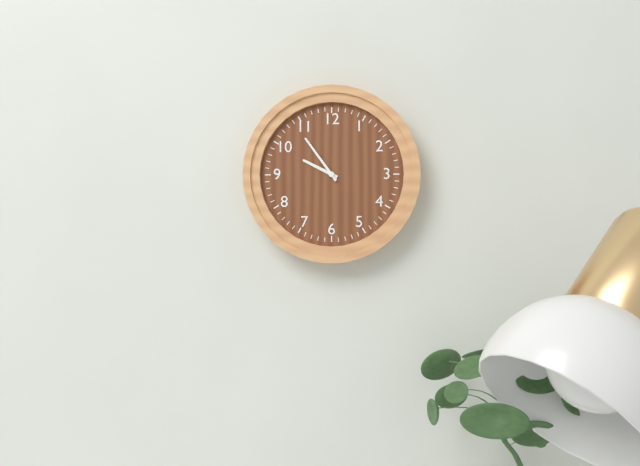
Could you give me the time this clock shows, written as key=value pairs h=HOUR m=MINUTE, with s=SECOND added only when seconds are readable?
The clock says h=9 m=54
